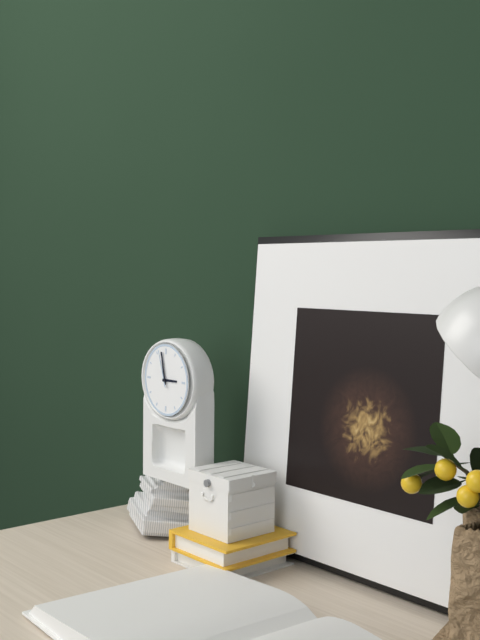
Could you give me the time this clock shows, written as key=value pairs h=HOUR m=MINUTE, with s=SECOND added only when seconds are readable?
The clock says h=2 m=58
